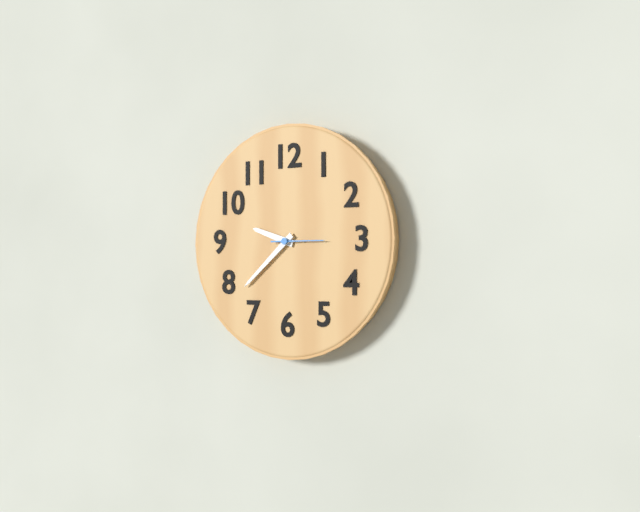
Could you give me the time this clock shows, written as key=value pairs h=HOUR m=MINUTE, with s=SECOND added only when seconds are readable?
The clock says h=9 m=38 s=15
